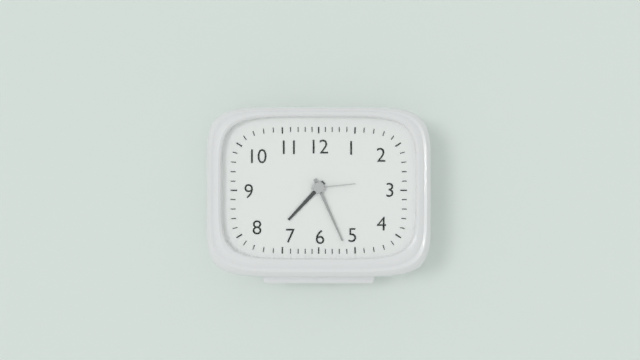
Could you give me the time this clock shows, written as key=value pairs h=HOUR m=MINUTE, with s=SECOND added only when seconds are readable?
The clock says h=7 m=26
